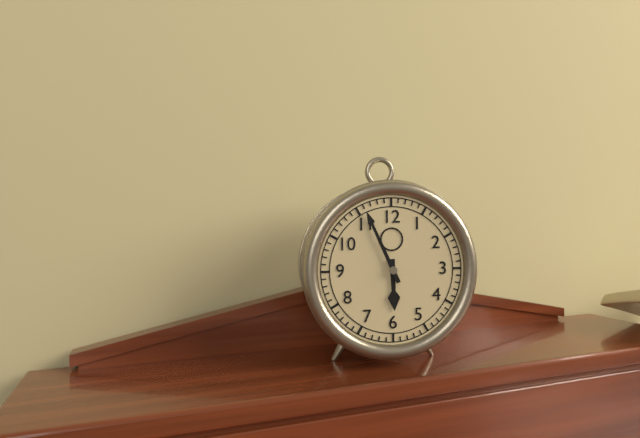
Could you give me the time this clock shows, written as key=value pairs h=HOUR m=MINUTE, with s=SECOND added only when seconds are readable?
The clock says h=5 m=56
